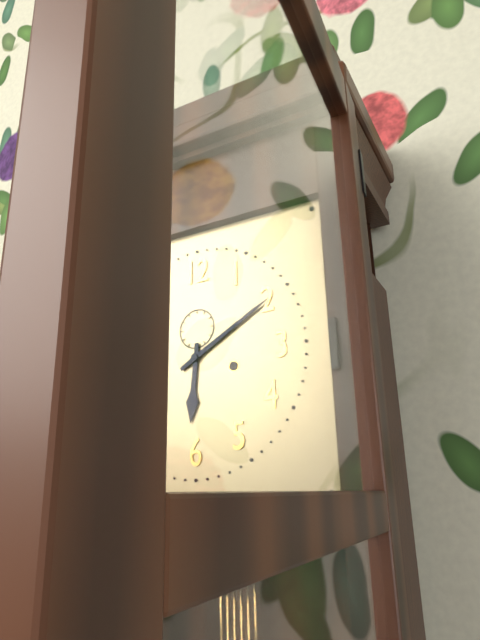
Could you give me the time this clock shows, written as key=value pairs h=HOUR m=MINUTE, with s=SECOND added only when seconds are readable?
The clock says h=6 m=10
